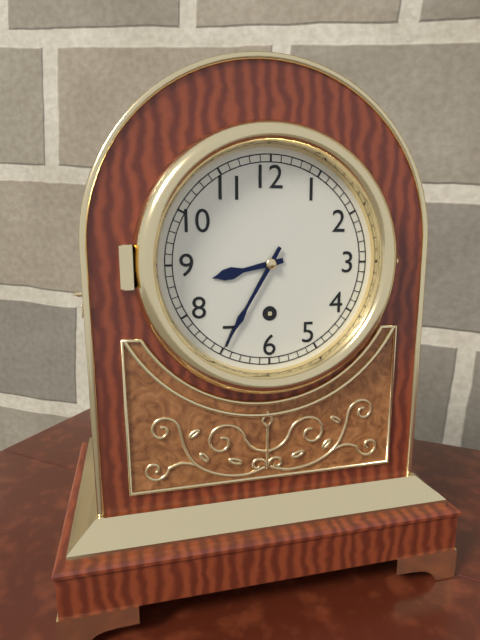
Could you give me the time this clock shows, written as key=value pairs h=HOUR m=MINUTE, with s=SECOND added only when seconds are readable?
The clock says h=8 m=35
